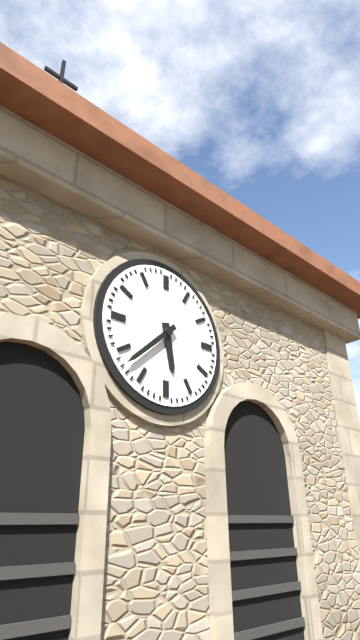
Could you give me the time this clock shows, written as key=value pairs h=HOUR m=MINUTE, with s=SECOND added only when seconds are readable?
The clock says h=5 m=38
